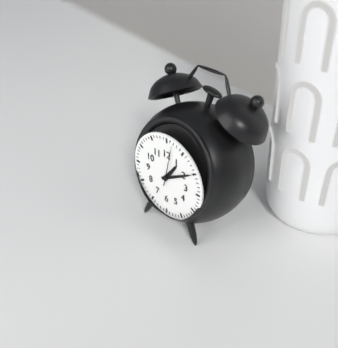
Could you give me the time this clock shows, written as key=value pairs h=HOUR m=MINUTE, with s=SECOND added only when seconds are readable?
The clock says h=1 m=10
